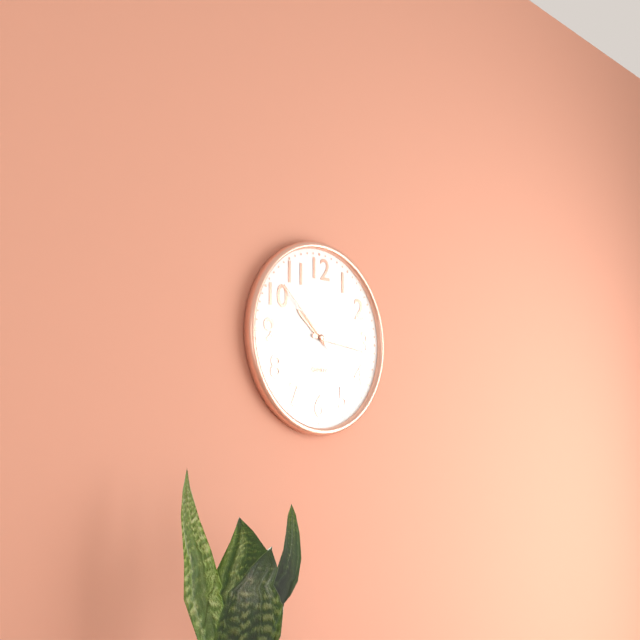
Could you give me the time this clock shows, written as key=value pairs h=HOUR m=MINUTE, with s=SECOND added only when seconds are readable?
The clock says h=10 m=16 s=52
